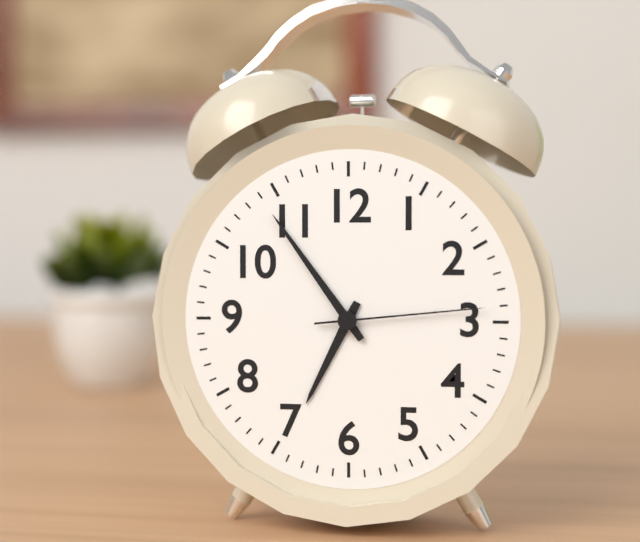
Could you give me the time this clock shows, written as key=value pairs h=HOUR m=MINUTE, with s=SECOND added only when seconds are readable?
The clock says h=6 m=54 s=14
